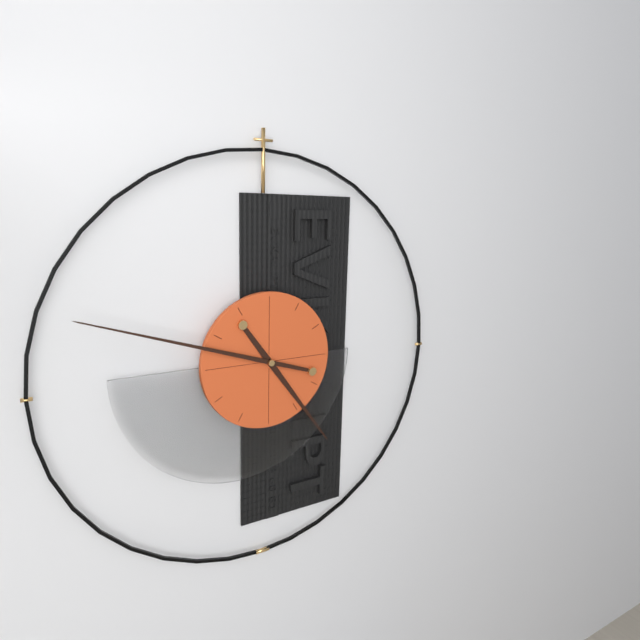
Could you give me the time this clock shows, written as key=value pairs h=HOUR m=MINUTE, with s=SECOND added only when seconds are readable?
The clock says h=4 m=48
